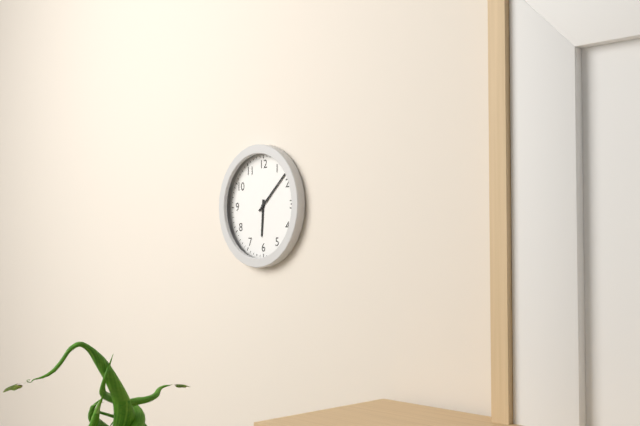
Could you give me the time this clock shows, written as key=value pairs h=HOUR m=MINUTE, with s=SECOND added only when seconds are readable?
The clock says h=6 m=8
